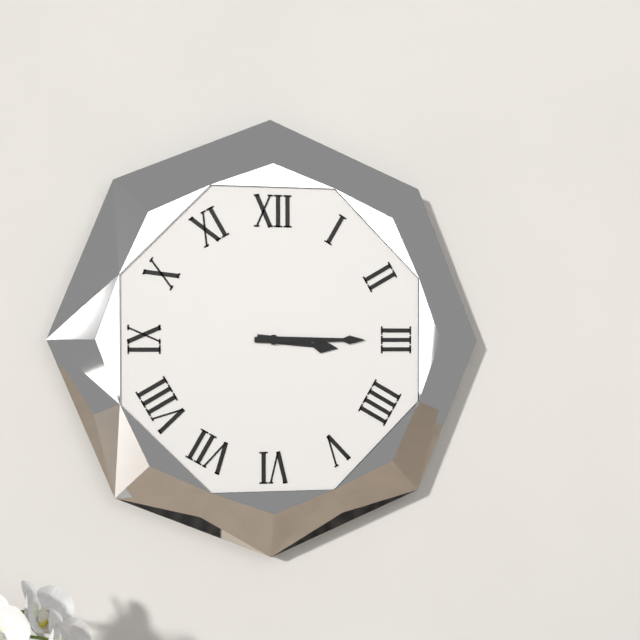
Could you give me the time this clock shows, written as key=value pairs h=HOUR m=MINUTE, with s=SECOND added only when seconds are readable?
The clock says h=3 m=15
